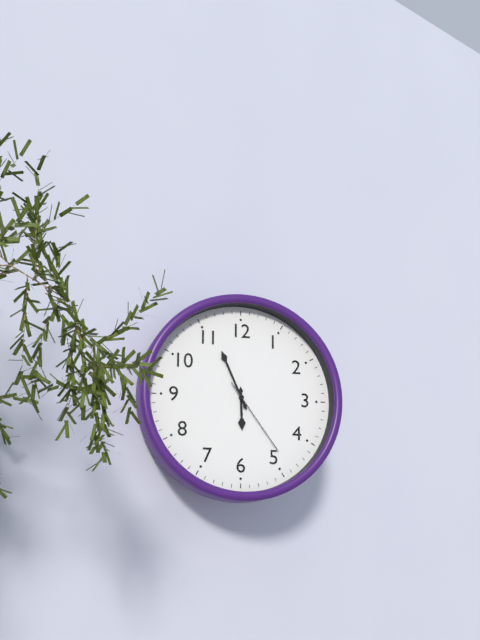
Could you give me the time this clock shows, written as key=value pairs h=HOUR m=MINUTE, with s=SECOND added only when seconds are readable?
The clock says h=5 m=56 s=24
